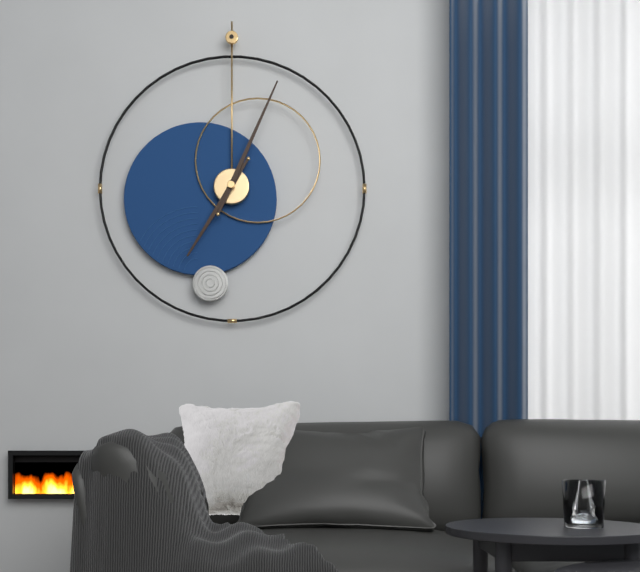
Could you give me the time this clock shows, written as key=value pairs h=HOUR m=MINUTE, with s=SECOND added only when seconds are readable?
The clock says h=7 m=4
